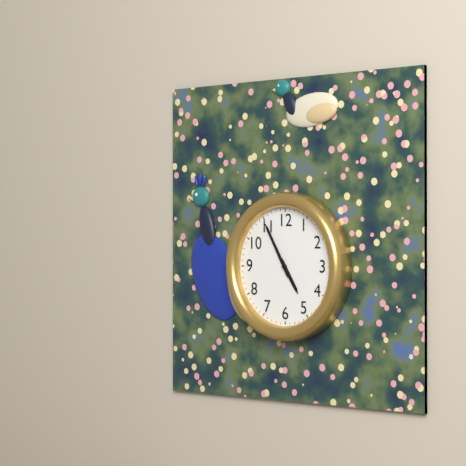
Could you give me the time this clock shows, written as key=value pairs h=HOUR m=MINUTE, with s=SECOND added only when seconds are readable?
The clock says h=4 m=55
